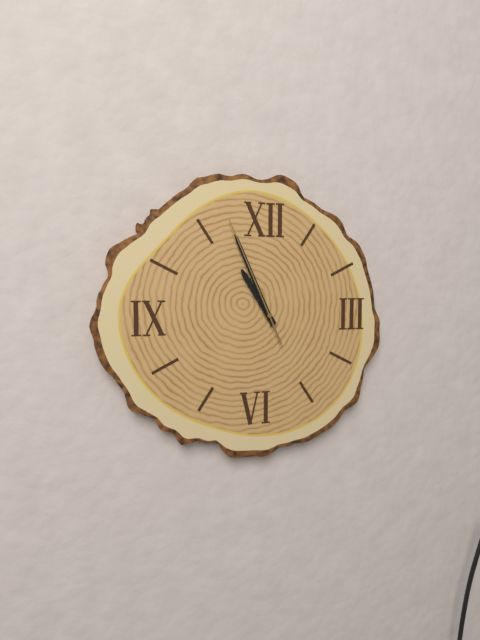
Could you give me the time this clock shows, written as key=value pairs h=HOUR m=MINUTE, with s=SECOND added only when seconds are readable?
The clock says h=10 m=56 s=56
